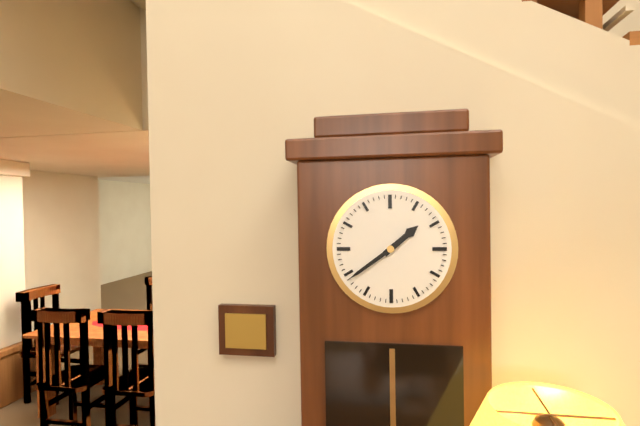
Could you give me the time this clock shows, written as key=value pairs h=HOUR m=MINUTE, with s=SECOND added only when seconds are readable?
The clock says h=1 m=39
